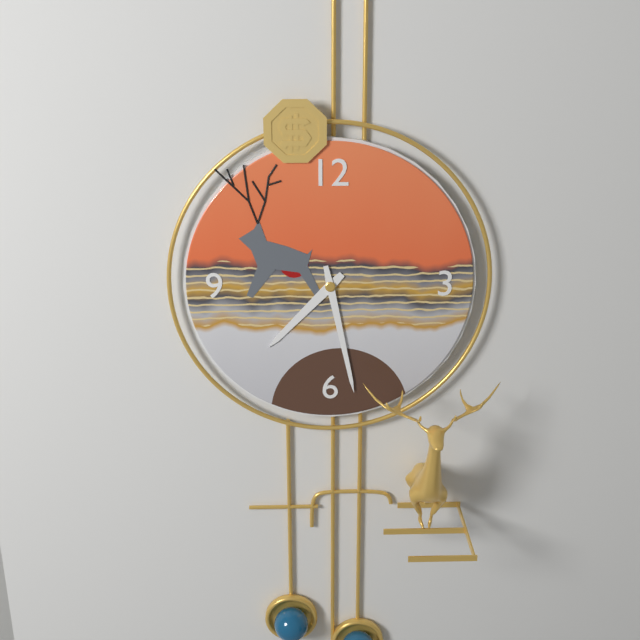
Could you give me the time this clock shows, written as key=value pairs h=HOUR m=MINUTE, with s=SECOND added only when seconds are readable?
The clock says h=7 m=28
